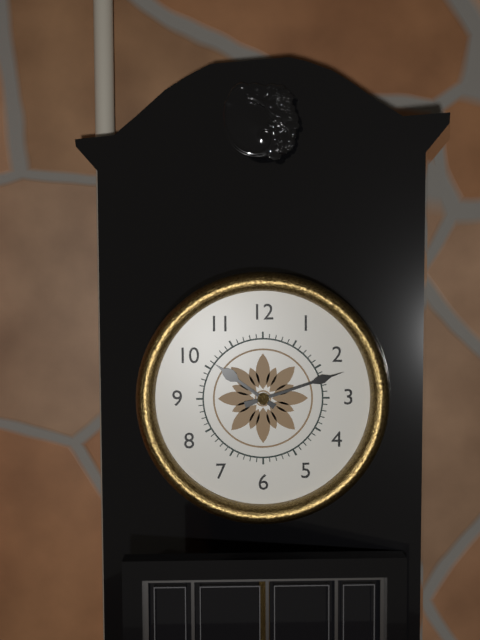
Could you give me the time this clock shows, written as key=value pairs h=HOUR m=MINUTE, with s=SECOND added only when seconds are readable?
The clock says h=10 m=12
